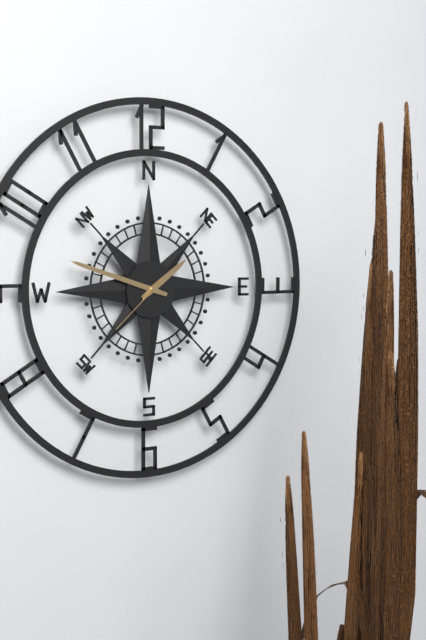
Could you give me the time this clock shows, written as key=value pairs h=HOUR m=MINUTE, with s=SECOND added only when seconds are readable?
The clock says h=1 m=48 s=38
